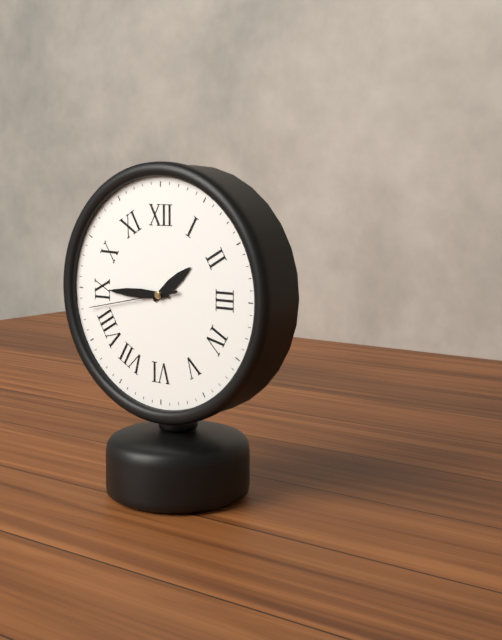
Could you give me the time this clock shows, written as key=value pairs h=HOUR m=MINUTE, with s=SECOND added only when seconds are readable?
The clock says h=1 m=45 s=43
